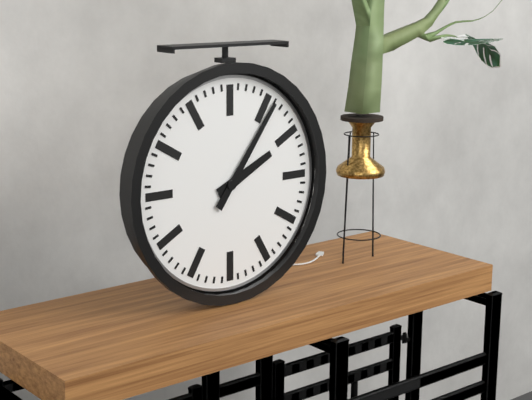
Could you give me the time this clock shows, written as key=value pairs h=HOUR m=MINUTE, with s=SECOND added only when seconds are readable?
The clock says h=2 m=6
